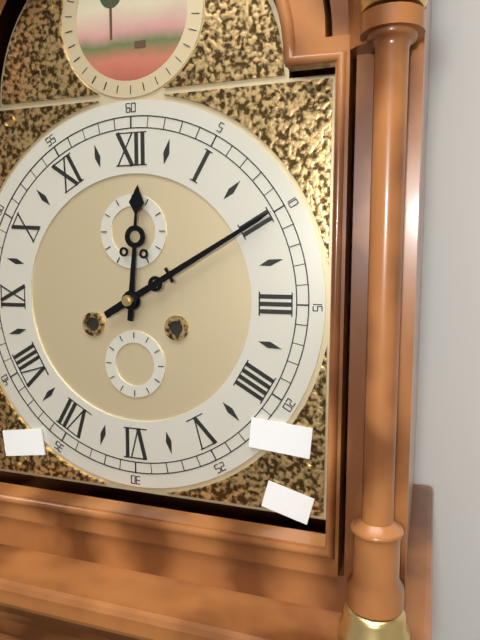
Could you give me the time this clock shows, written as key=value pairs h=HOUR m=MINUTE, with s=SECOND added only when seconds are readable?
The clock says h=12 m=10
